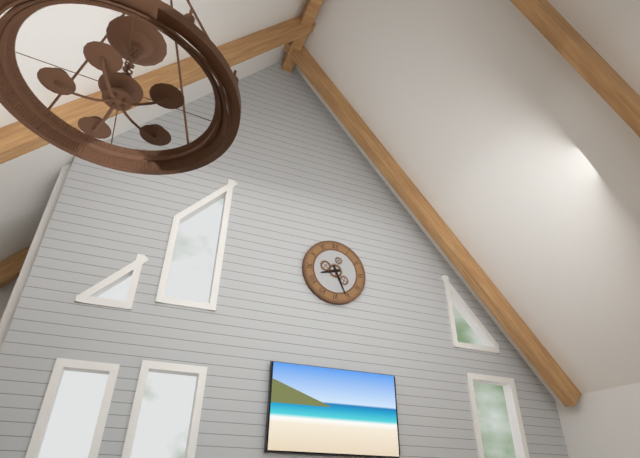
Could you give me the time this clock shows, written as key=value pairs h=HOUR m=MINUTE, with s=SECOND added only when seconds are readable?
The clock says h=8 m=26
